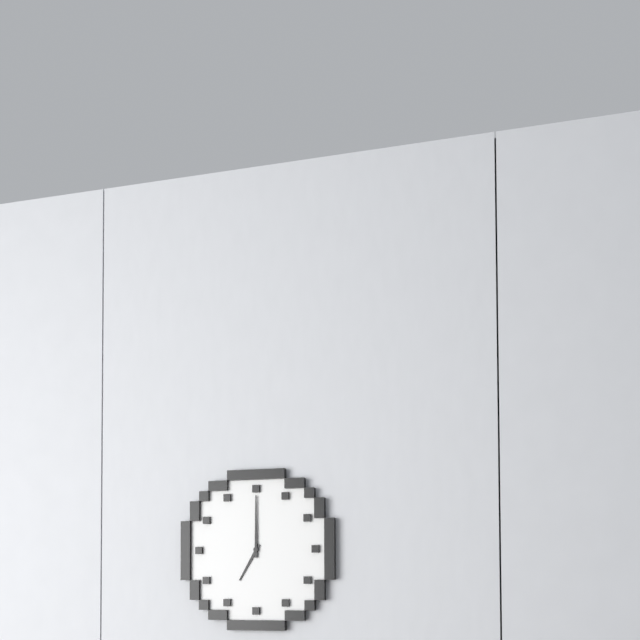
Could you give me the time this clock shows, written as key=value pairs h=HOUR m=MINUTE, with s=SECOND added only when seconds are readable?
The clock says h=7 m=0
